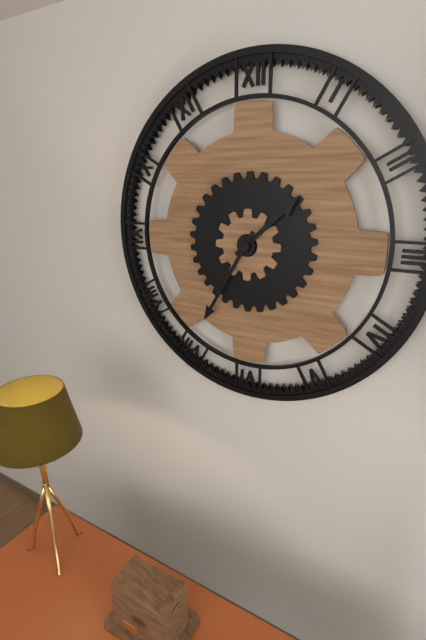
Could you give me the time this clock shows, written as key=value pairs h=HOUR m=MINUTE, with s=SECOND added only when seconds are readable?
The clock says h=1 m=35
